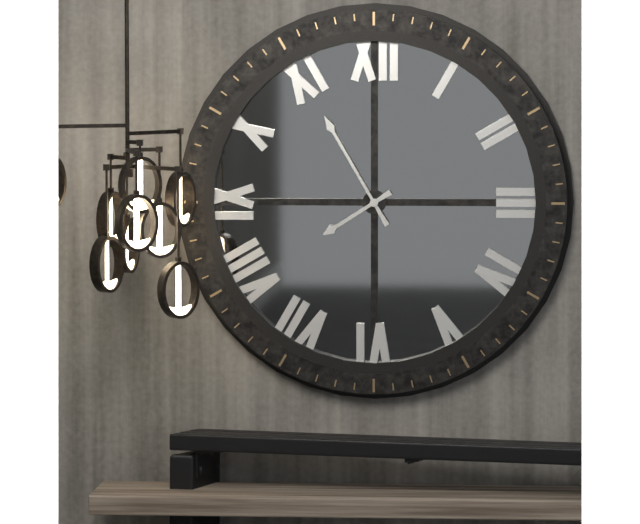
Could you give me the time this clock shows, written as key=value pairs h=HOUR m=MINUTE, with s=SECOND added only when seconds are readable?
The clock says h=7 m=55
